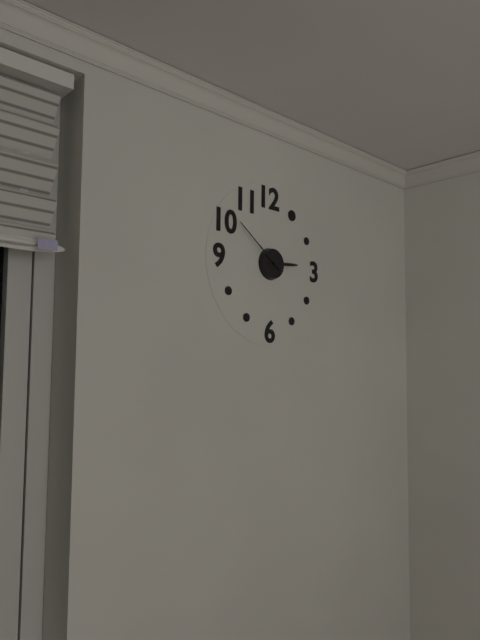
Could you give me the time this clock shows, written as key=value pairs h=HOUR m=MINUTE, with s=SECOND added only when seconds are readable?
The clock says h=2 m=51
